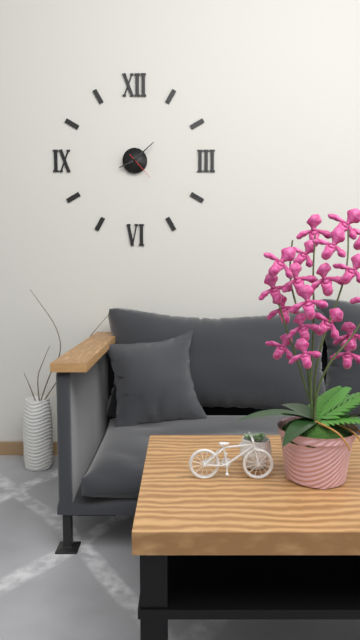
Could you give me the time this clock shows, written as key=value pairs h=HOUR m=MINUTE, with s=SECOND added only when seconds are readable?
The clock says h=8 m=8
